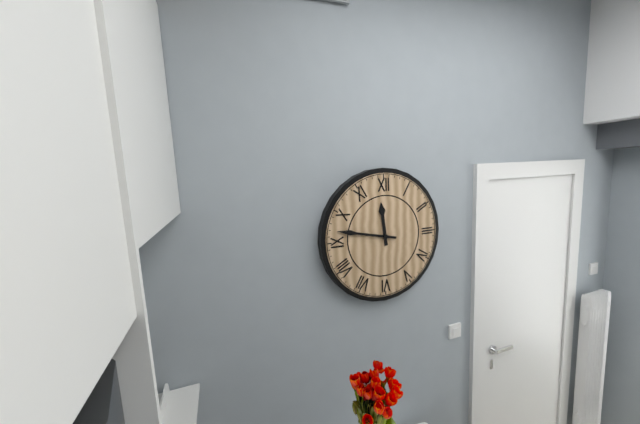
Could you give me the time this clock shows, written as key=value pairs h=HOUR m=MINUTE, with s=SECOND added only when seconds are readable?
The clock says h=11 m=47
